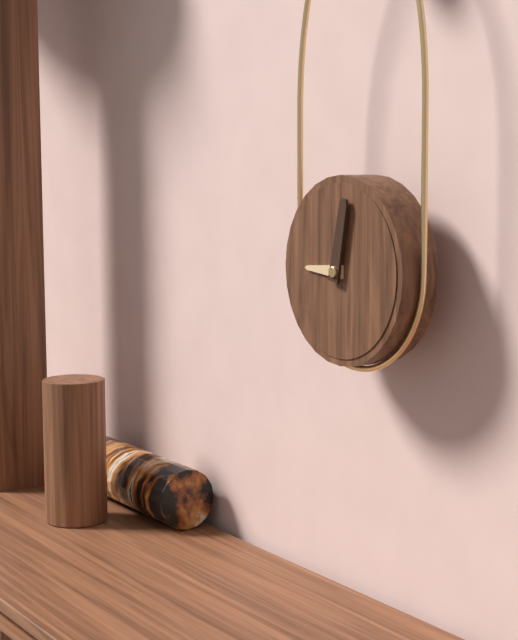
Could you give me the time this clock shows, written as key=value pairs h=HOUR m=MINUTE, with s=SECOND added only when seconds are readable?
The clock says h=9 m=2
